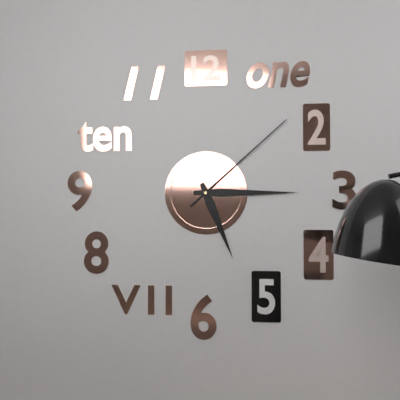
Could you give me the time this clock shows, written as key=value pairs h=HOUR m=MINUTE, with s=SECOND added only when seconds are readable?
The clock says h=5 m=15 s=8
